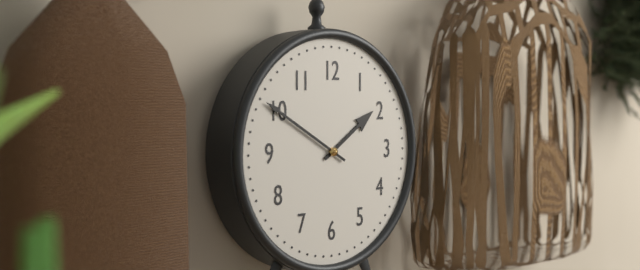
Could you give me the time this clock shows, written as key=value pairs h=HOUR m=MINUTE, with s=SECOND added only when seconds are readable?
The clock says h=1 m=50
